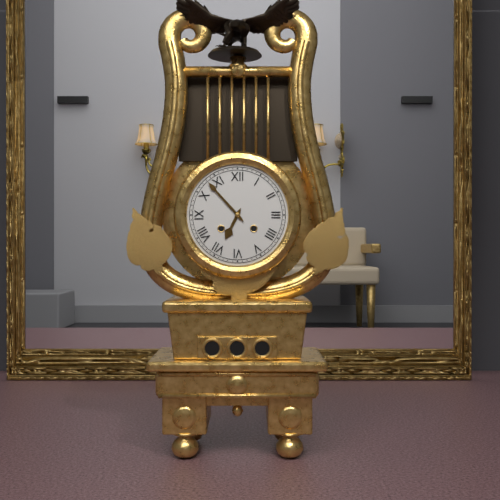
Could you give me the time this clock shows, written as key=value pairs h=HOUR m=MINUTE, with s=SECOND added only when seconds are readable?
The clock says h=6 m=53
